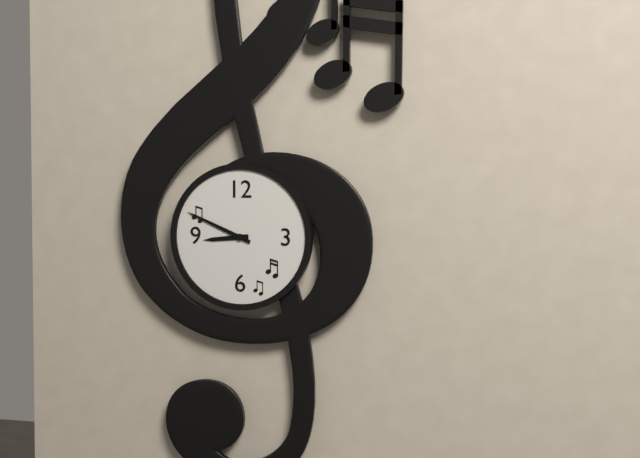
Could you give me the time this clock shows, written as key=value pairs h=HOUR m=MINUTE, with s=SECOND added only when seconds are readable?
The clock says h=8 m=49
